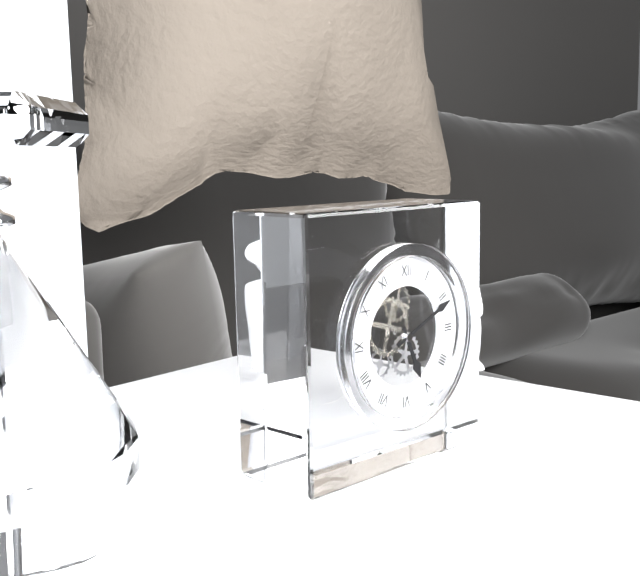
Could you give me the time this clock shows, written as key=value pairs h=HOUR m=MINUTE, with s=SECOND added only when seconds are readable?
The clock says h=5 m=11
